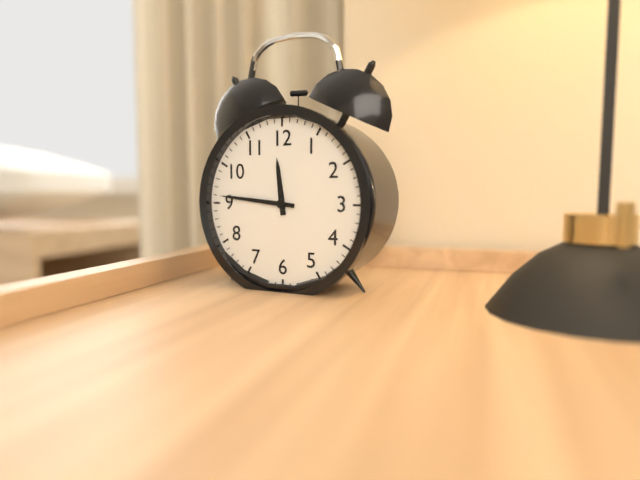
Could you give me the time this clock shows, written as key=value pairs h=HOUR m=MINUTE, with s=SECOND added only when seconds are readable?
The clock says h=11 m=46
